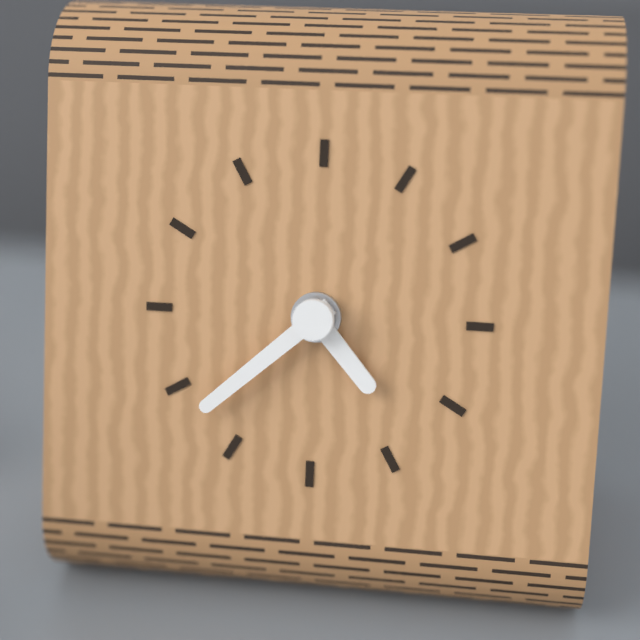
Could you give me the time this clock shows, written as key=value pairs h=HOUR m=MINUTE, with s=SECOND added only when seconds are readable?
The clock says h=4 m=38
